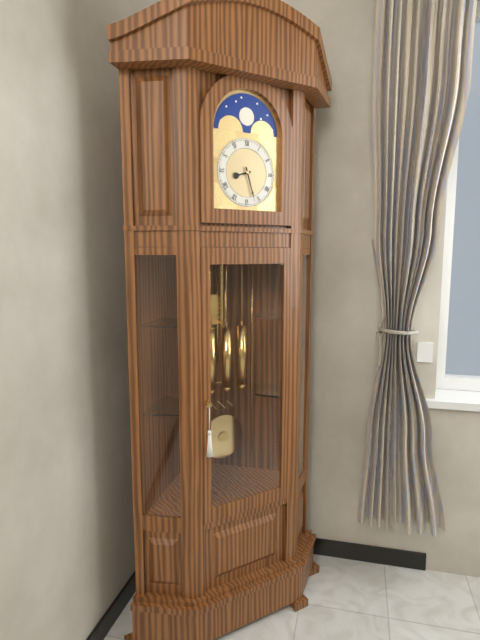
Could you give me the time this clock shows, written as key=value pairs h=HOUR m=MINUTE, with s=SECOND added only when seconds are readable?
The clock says h=8 m=27
